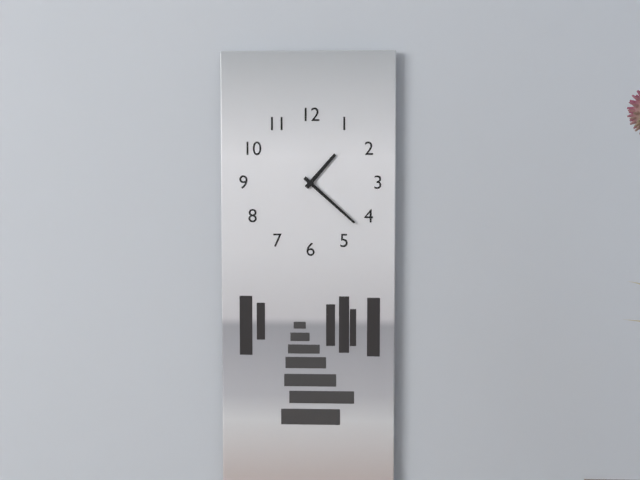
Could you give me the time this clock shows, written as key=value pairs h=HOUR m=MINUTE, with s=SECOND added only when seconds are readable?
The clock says h=1 m=22
